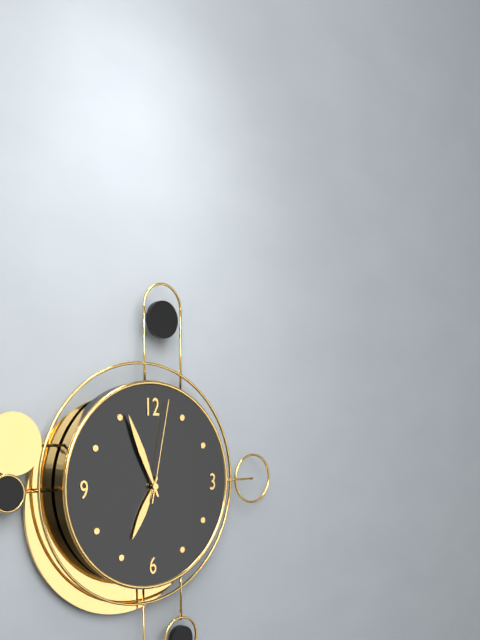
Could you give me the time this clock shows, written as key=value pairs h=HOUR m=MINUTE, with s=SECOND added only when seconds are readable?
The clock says h=6 m=56 s=2
